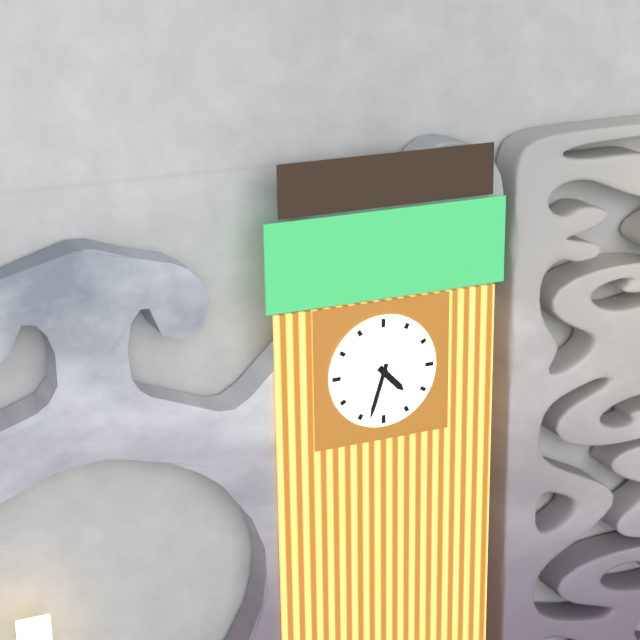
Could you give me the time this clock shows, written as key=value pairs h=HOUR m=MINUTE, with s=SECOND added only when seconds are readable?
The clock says h=4 m=33
